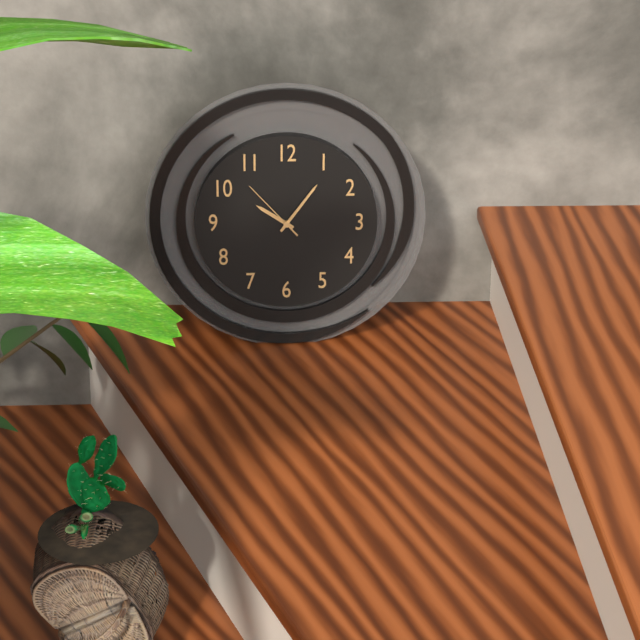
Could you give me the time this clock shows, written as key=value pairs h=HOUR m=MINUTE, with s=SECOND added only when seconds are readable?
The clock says h=10 m=6 s=53
